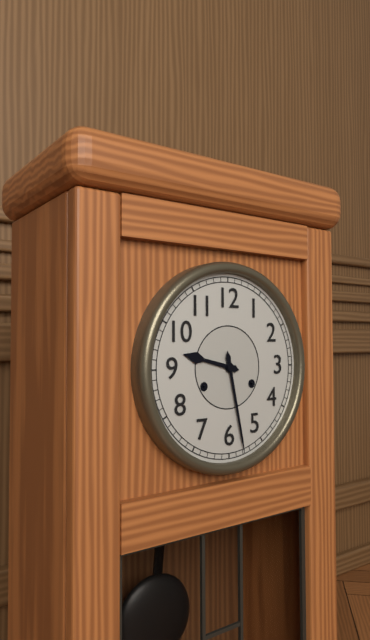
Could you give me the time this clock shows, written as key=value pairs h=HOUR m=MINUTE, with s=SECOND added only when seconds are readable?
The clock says h=9 m=28
